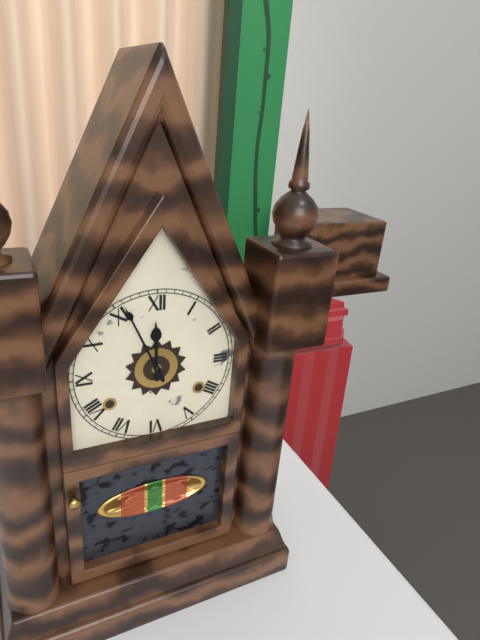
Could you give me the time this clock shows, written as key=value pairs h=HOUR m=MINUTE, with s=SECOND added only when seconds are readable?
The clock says h=11 m=56
